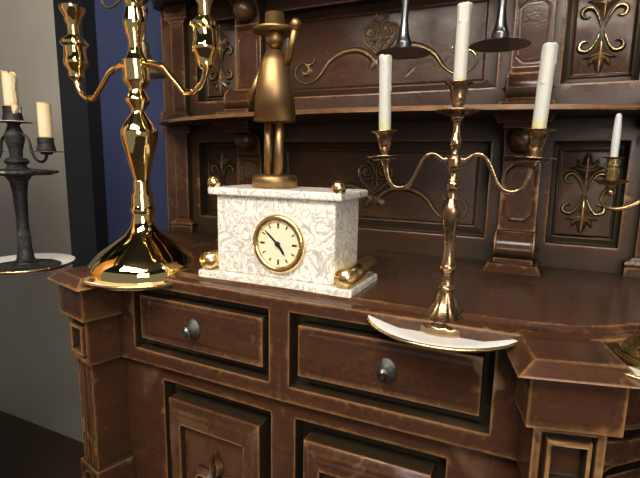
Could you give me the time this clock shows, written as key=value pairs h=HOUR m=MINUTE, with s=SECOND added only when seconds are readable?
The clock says h=4 m=52
